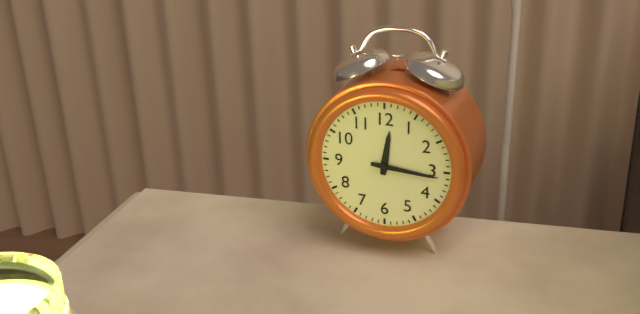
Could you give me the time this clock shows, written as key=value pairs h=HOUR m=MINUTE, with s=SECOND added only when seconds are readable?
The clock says h=12 m=16
